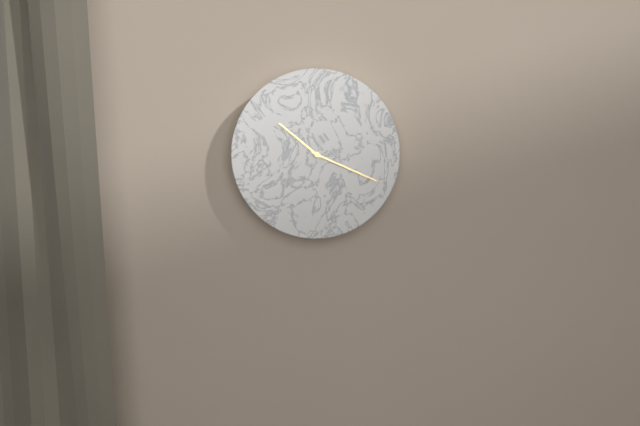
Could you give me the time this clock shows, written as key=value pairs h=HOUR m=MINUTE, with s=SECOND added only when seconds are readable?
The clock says h=10 m=19
